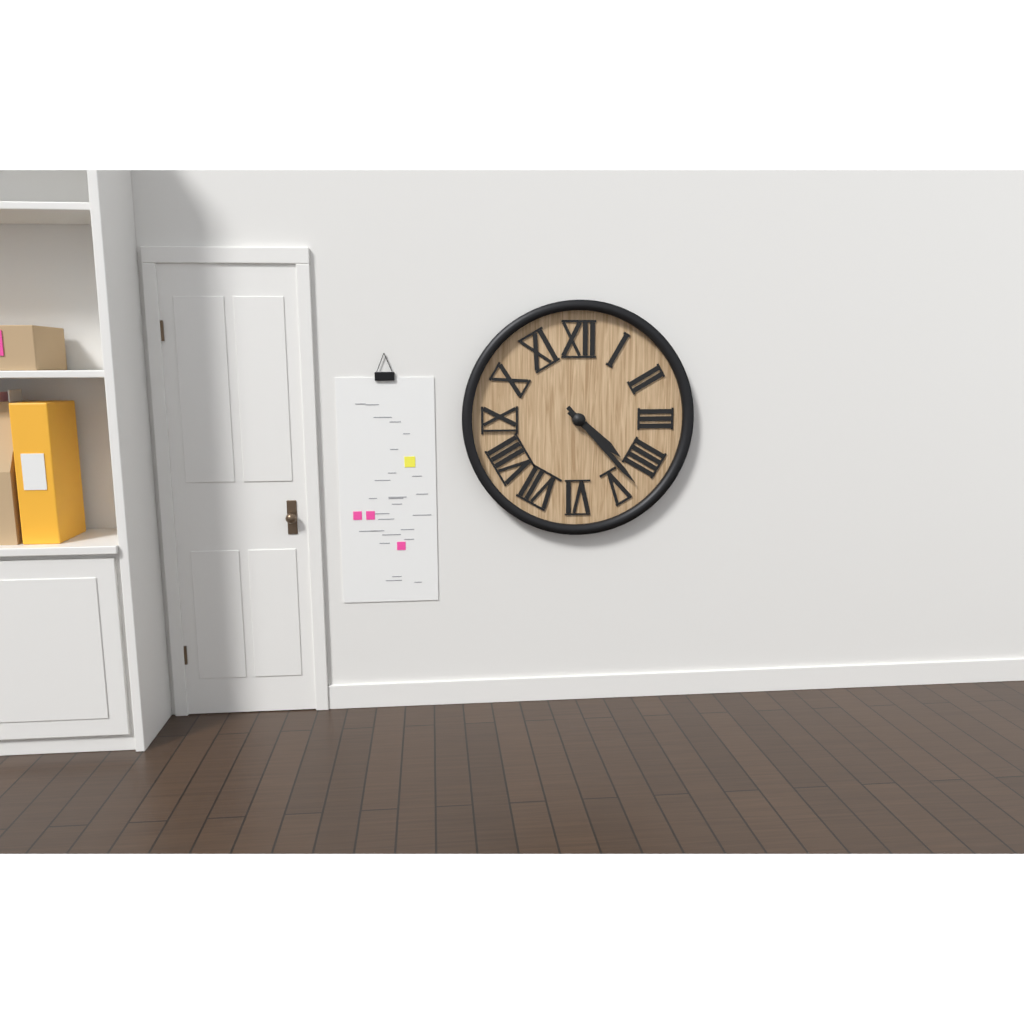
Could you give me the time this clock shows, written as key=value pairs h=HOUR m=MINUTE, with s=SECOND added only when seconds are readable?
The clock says h=4 m=23
